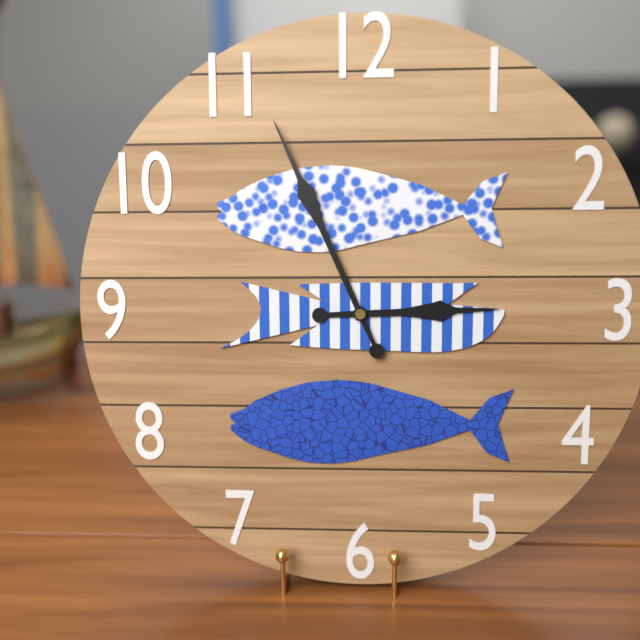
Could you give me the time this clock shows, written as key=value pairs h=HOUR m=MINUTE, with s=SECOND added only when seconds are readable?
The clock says h=2 m=56
